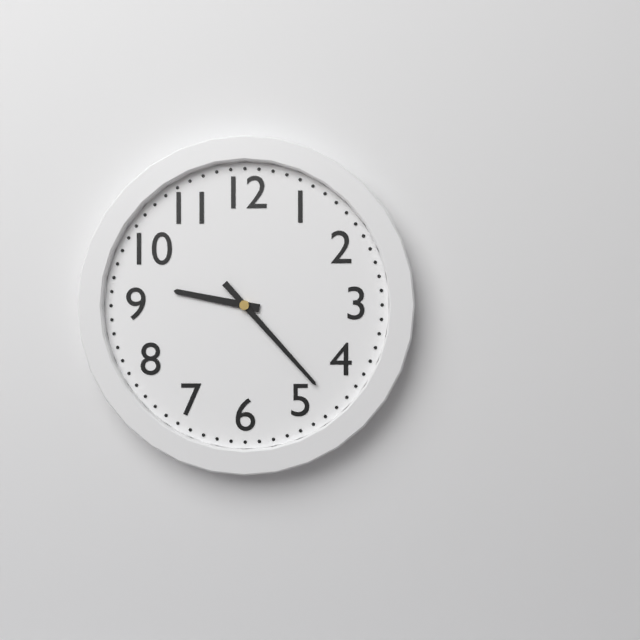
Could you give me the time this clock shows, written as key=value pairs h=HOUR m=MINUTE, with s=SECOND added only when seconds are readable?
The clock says h=9 m=23
